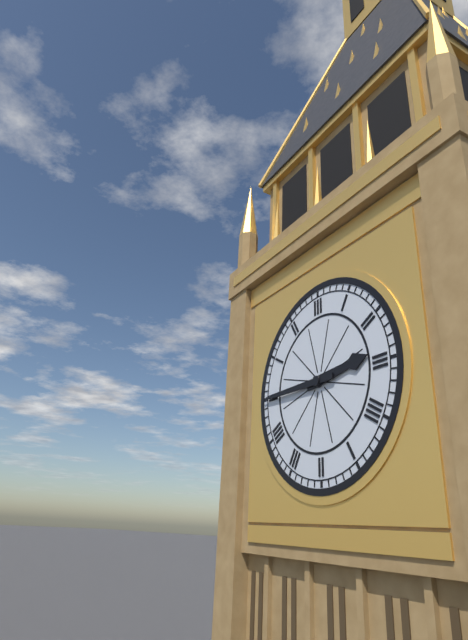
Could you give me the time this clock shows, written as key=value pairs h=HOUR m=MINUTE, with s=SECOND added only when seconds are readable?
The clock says h=2 m=45
